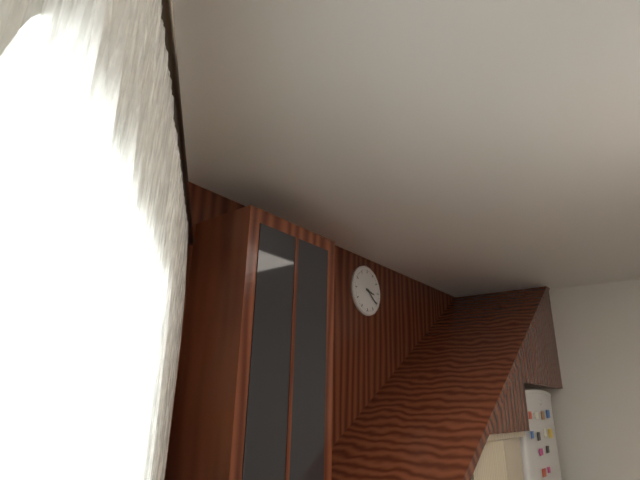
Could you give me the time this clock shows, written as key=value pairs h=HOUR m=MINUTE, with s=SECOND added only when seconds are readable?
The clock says h=3 m=21
